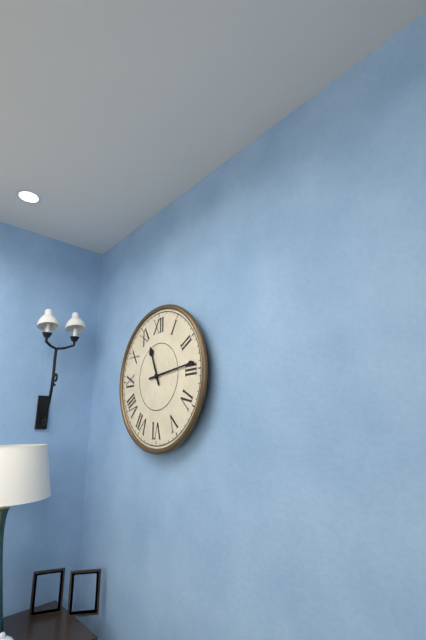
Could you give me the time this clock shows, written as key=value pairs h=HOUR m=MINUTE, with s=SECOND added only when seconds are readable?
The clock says h=11 m=14
